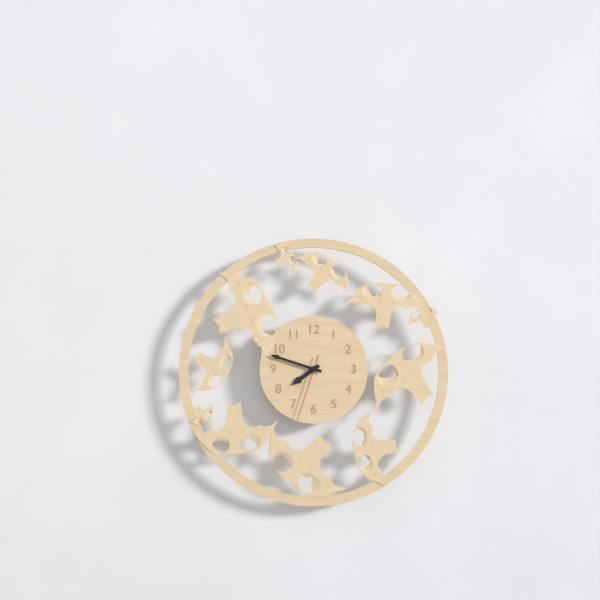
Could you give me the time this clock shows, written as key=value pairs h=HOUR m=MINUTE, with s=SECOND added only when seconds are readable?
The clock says h=7 m=48 s=33
